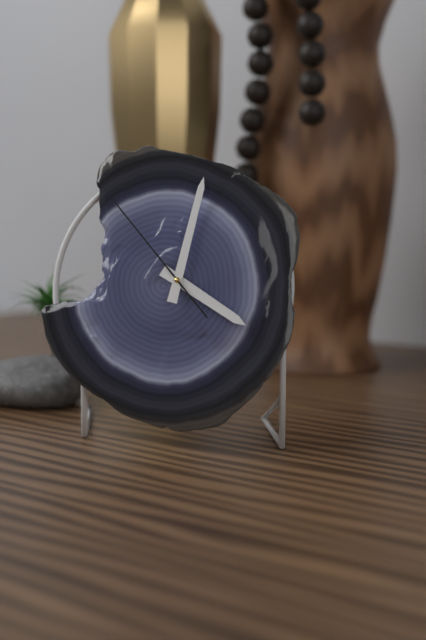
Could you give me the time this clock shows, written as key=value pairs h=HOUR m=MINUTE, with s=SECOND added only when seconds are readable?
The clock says h=4 m=2 s=53
